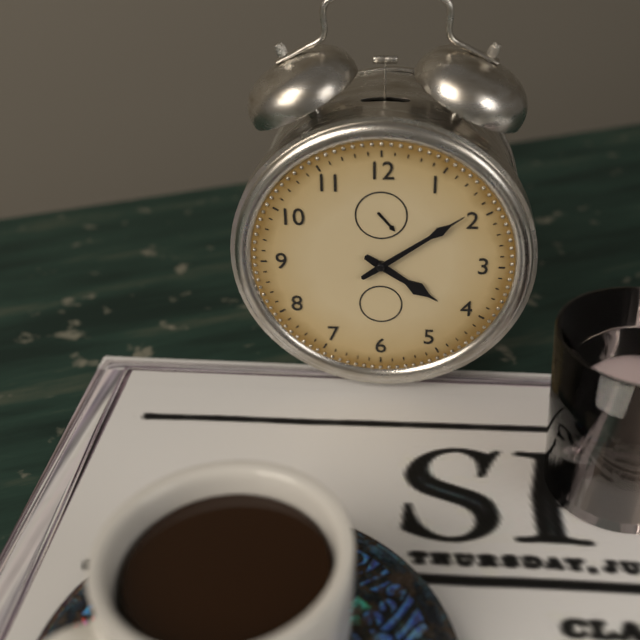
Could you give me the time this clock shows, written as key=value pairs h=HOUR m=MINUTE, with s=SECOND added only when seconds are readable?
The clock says h=4 m=9
